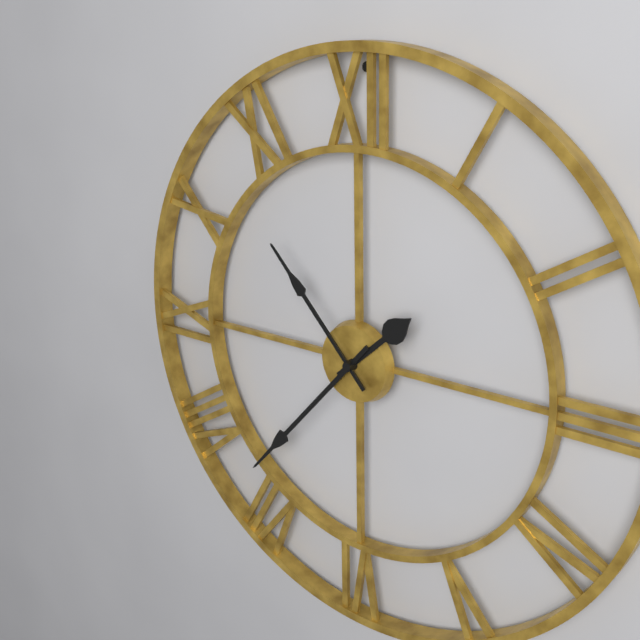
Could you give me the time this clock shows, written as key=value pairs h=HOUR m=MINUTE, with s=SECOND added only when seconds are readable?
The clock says h=1 m=37 s=53
